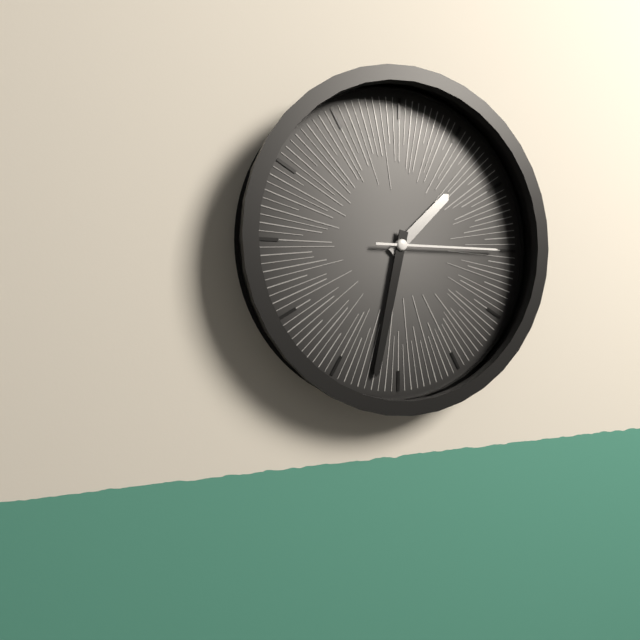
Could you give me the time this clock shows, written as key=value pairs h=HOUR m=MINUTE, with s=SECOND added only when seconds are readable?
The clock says h=1 m=32 s=15
